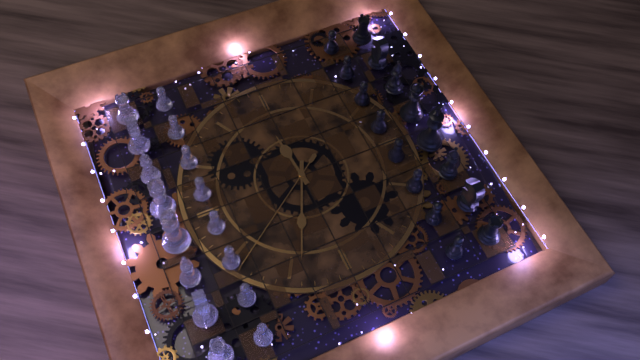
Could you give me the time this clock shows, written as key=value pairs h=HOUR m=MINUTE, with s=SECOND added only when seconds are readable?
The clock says h=2 m=49 s=54
